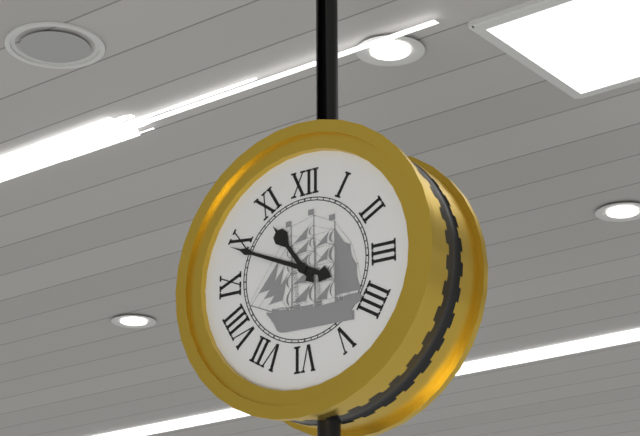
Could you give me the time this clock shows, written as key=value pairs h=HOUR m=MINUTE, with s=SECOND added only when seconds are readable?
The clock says h=10 m=49
